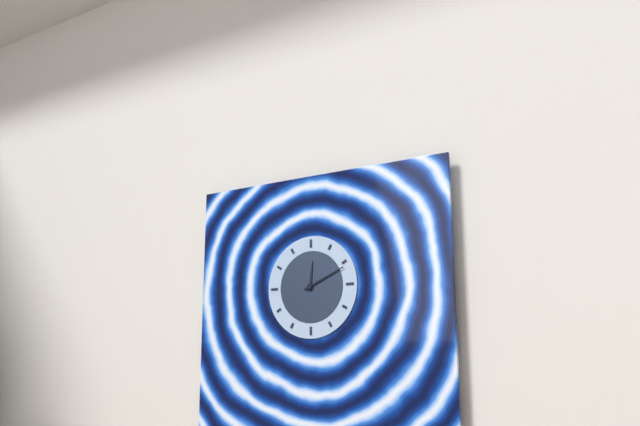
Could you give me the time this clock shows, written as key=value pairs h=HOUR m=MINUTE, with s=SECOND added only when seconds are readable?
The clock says h=12 m=11
